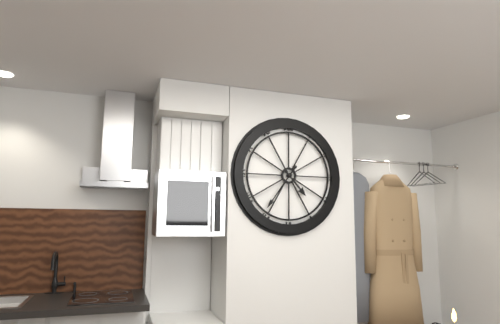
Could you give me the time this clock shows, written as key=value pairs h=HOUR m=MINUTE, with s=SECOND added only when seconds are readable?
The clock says h=4 m=36
